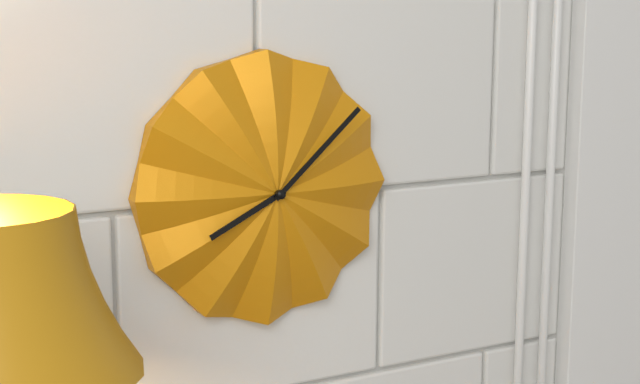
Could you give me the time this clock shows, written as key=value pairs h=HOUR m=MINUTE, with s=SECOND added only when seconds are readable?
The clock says h=8 m=8
